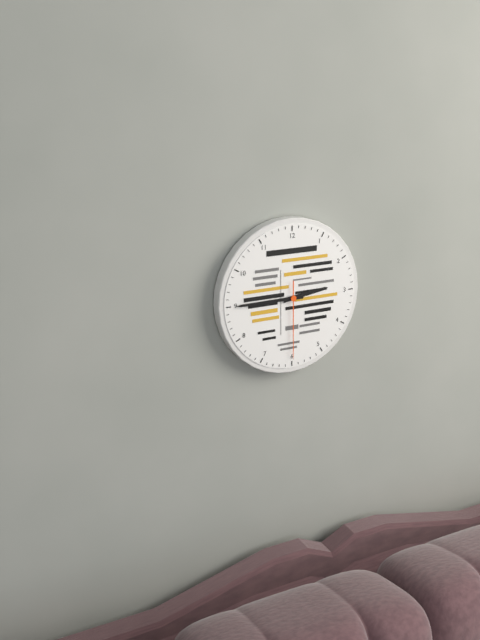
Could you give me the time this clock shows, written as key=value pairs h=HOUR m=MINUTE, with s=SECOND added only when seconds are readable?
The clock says h=2 m=45 s=30
